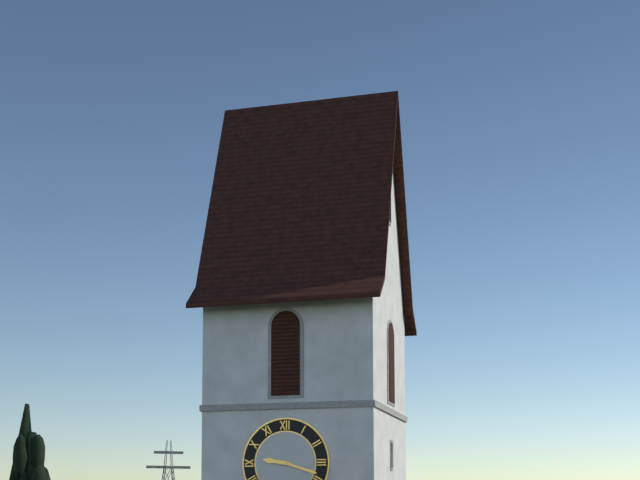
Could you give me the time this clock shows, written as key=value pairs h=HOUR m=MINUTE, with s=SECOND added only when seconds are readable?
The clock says h=9 m=18
